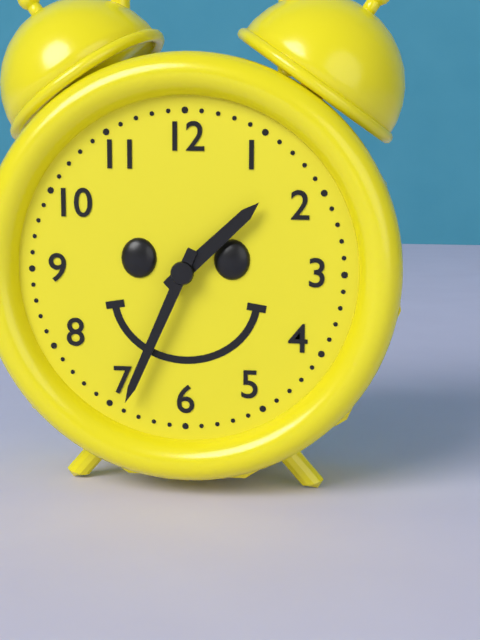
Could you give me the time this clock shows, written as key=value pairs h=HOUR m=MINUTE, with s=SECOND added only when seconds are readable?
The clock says h=1 m=34
